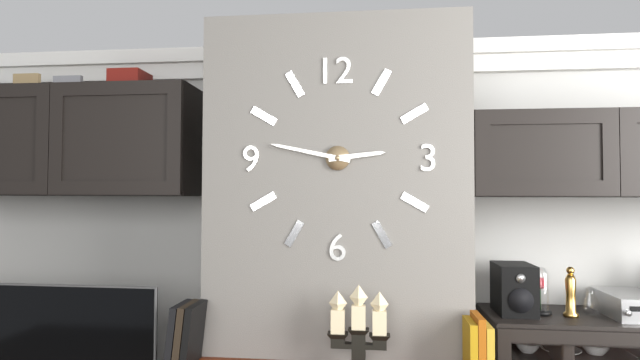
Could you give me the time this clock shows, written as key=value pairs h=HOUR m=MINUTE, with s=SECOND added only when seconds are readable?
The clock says h=2 m=47
